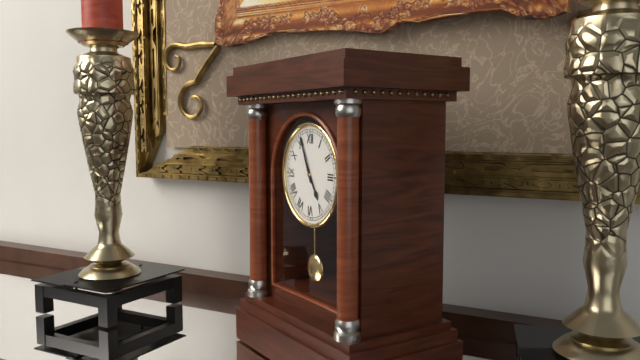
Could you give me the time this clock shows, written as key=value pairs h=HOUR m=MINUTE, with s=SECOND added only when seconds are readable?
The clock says h=4 m=56
